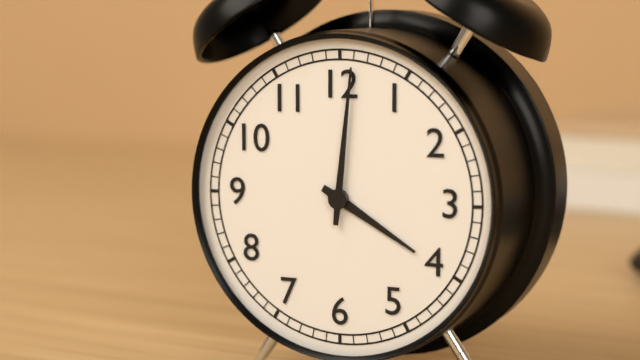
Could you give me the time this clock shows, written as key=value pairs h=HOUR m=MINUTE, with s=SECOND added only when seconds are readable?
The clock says h=4 m=1
